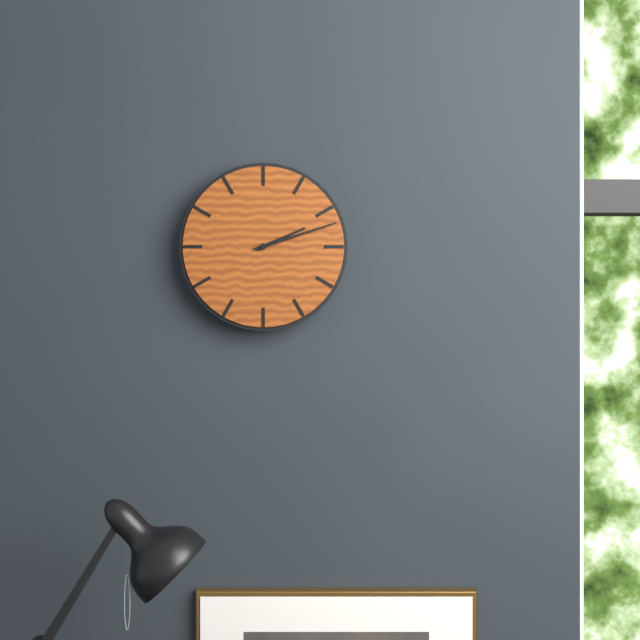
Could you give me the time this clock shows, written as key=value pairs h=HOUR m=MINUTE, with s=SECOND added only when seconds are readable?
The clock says h=2 m=12
